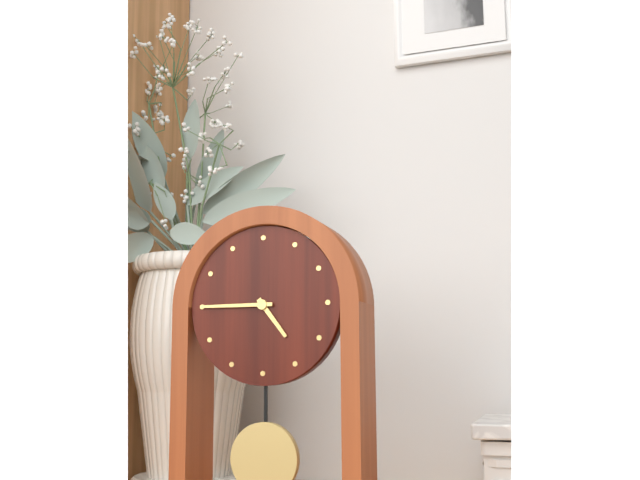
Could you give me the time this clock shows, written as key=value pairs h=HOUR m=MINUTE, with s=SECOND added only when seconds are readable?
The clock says h=4 m=45
